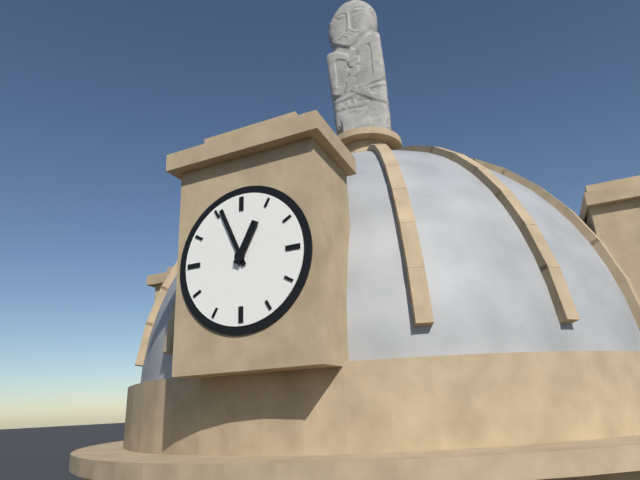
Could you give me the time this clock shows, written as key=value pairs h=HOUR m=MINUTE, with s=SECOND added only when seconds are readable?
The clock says h=12 m=56
